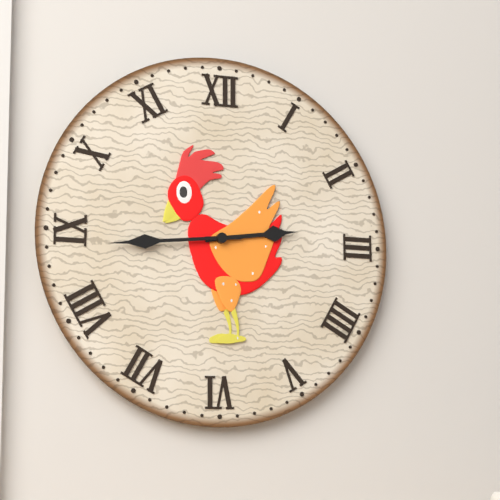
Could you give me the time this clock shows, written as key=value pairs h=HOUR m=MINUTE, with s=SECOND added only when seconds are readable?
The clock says h=2 m=44
